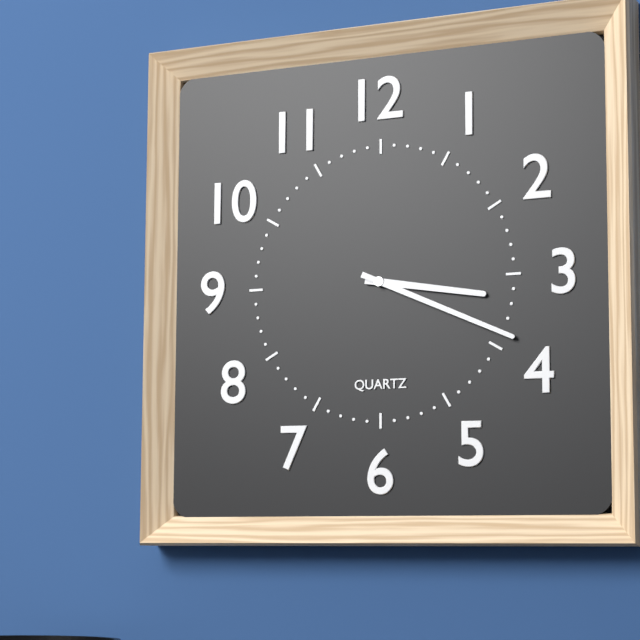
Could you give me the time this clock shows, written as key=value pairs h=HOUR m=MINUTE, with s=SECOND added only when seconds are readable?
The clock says h=3 m=19
